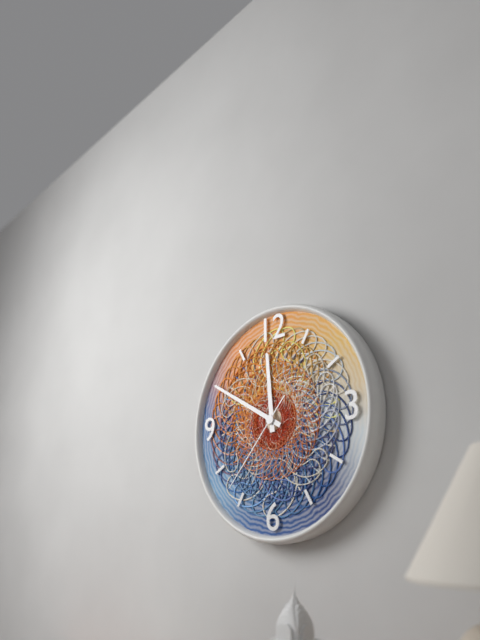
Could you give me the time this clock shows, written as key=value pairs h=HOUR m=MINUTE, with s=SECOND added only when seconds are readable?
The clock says h=11 m=50 s=37
